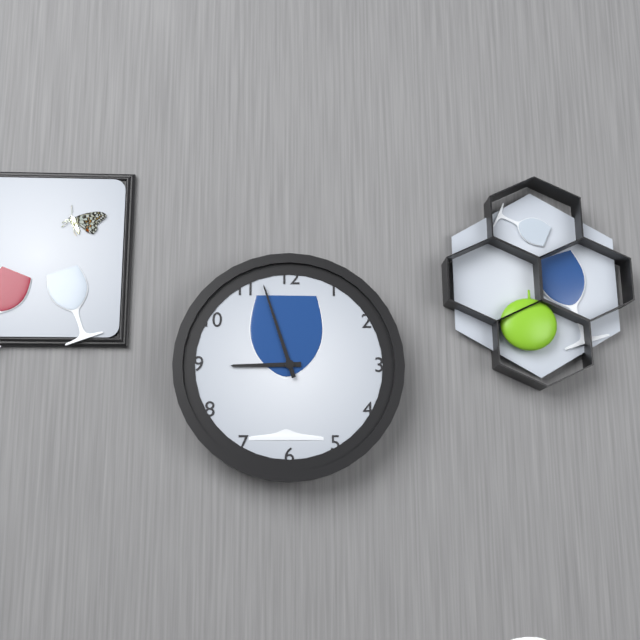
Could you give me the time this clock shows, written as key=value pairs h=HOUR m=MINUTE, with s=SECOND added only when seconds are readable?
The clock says h=8 m=57
